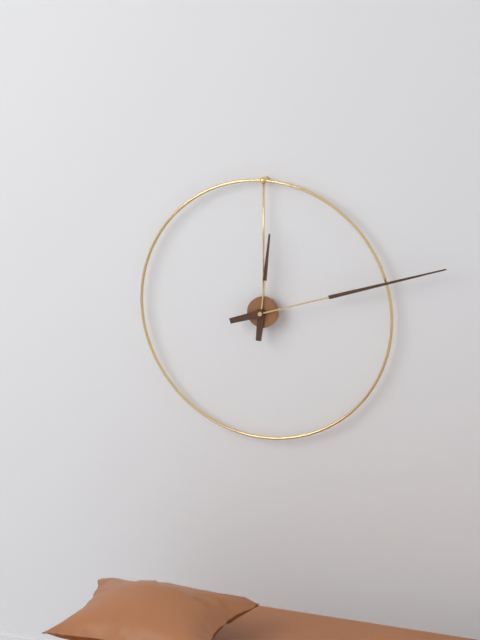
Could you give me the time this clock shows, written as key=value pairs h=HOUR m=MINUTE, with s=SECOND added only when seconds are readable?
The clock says h=12 m=12
